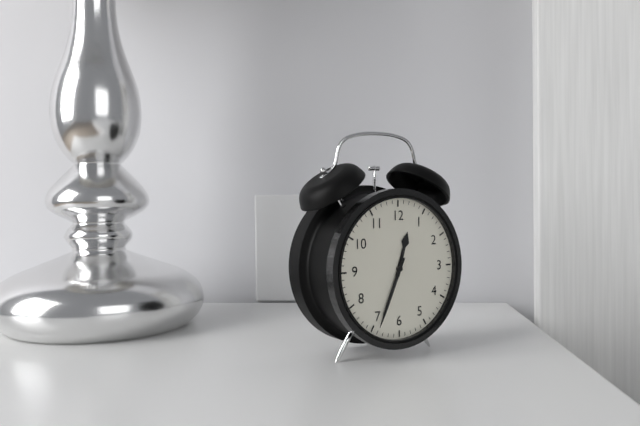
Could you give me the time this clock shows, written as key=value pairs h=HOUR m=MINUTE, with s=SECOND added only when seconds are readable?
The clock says h=12 m=34
